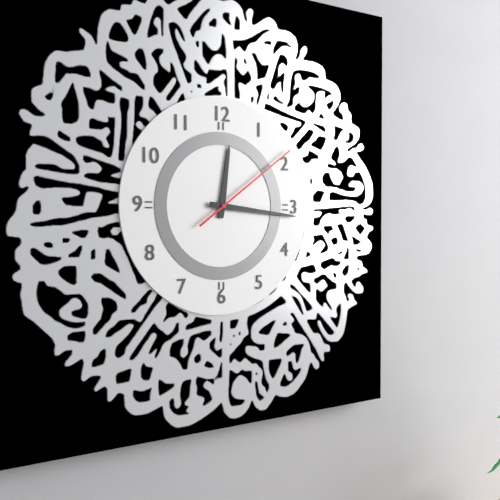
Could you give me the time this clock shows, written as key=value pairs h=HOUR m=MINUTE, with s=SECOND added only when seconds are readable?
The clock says h=12 m=16 s=9
